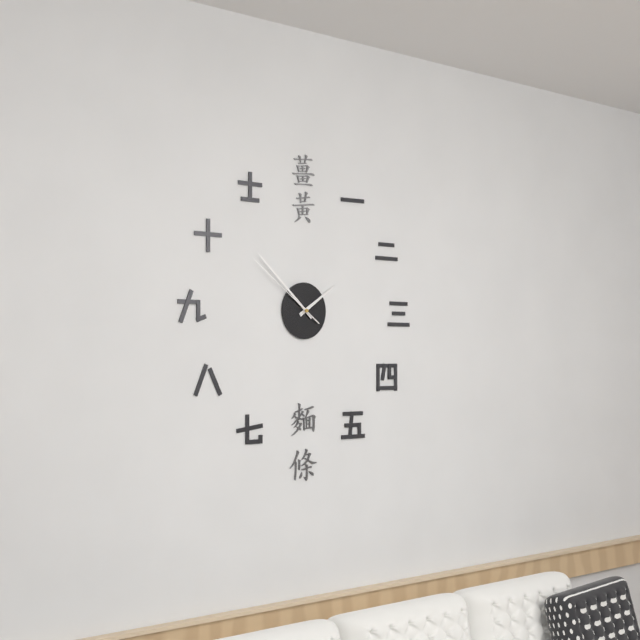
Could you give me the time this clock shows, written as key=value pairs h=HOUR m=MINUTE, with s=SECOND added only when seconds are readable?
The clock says h=1 m=52 s=51
